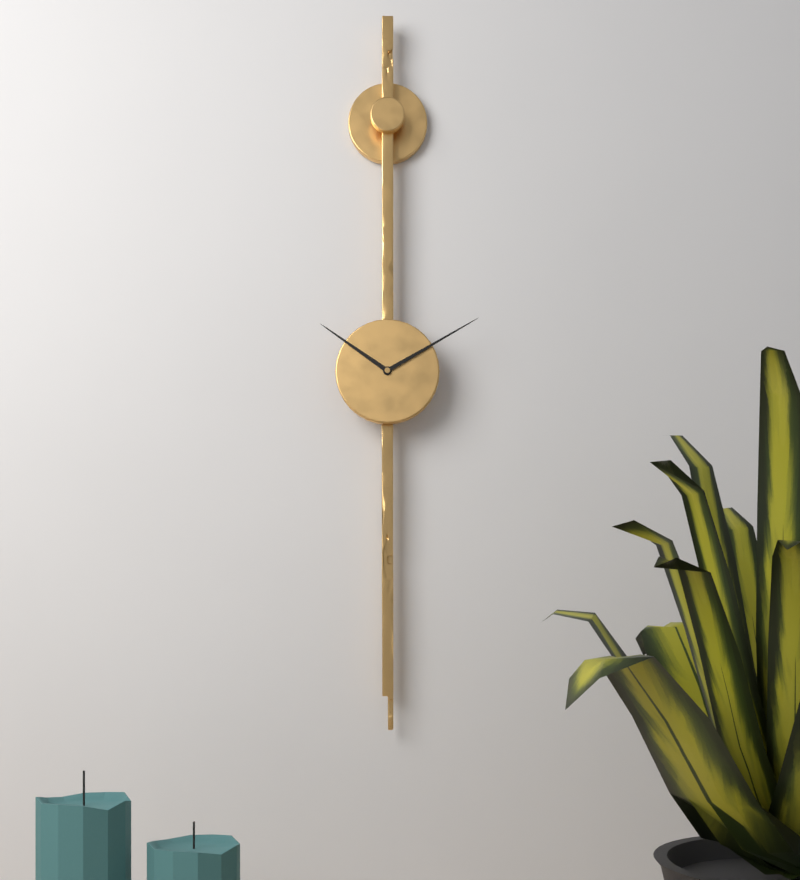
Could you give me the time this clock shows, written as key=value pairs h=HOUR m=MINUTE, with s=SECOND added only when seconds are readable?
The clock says h=10 m=10
